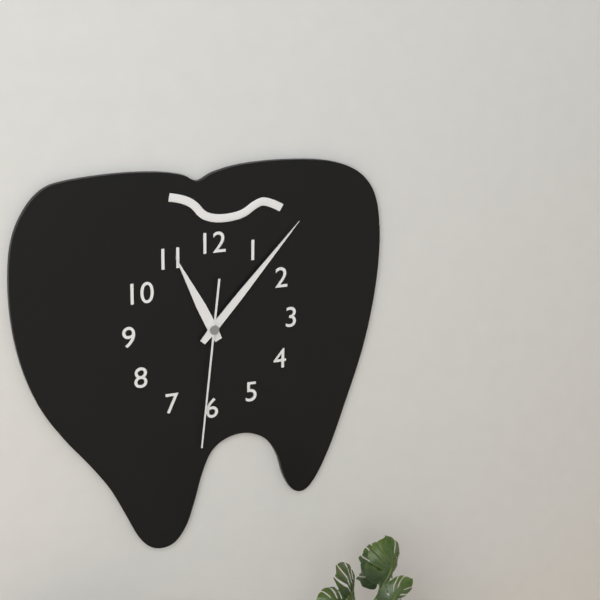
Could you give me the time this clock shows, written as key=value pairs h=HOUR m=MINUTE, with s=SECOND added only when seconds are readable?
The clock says h=11 m=7 s=31
